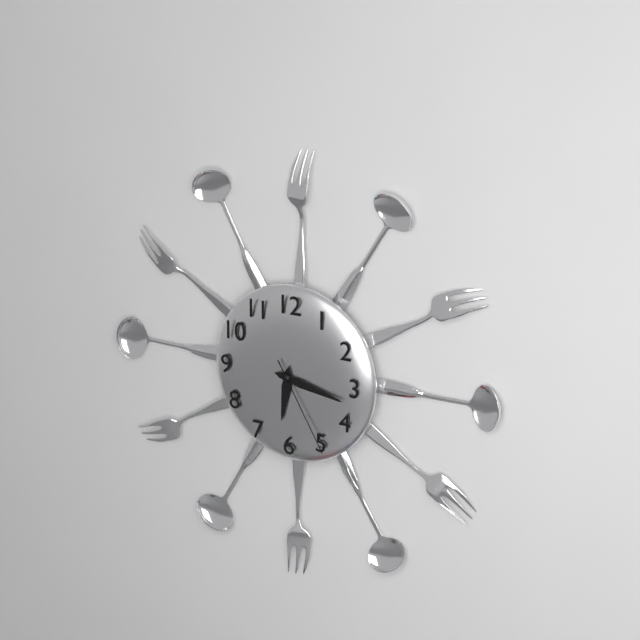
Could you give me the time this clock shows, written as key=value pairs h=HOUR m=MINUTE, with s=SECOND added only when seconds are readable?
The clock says h=6 m=17 s=25
